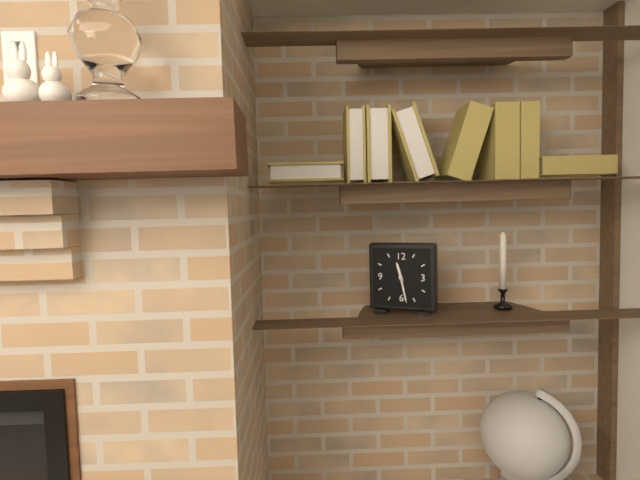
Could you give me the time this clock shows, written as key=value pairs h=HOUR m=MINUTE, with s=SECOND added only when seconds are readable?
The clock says h=11 m=28
